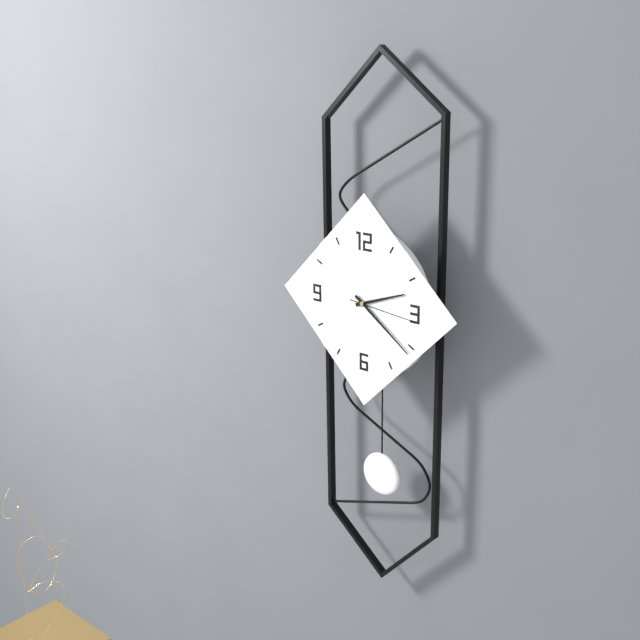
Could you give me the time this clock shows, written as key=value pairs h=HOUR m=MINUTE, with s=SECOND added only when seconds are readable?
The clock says h=2 m=21 s=16
